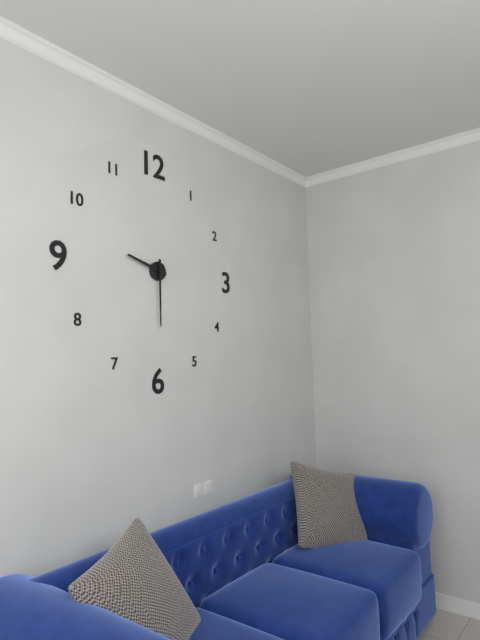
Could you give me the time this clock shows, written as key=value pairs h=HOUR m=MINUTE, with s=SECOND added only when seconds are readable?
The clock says h=9 m=30
